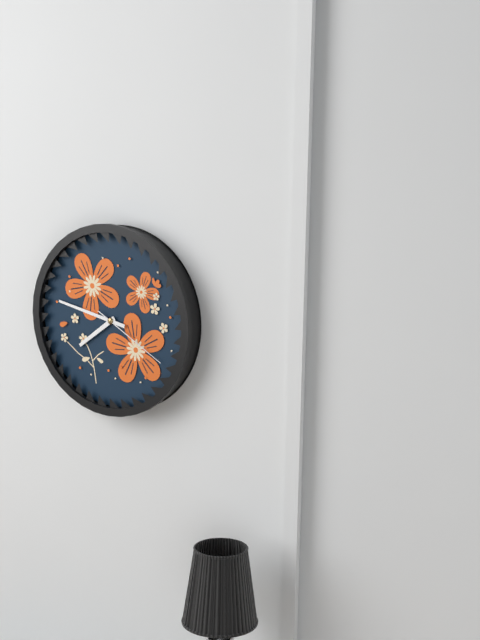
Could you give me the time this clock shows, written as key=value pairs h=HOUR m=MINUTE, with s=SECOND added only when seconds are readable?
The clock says h=7 m=47 s=20
